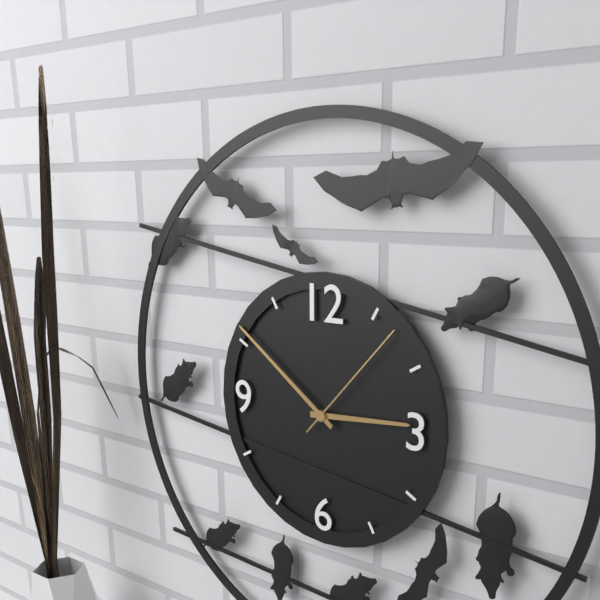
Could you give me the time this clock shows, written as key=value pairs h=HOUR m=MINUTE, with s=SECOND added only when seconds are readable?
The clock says h=2 m=51 s=7
